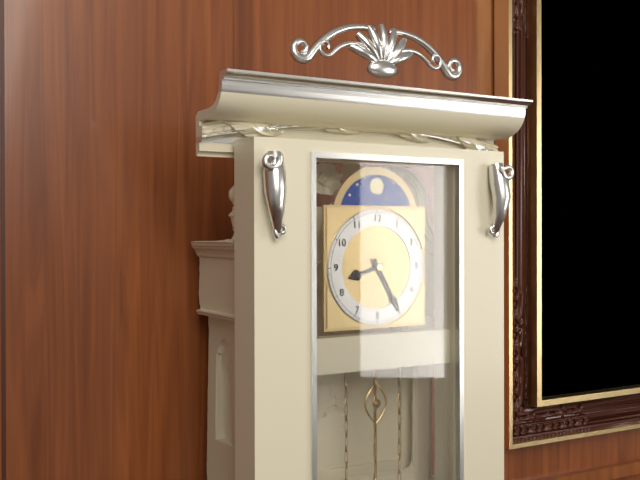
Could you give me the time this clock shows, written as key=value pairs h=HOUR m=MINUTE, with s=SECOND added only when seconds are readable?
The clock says h=8 m=25
